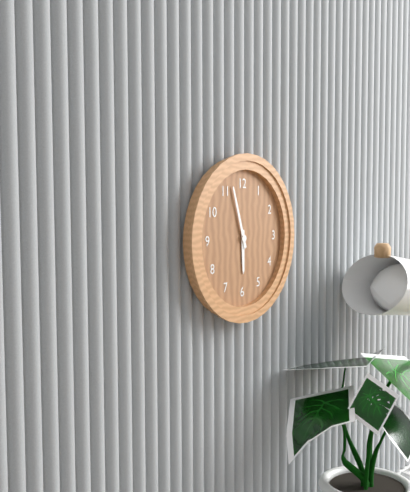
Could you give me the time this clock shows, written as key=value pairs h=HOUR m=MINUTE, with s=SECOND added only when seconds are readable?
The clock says h=5 m=57
